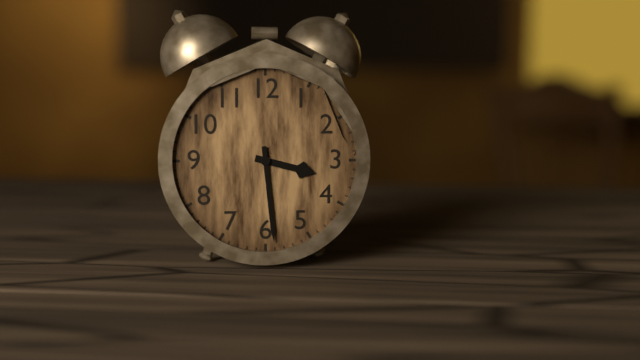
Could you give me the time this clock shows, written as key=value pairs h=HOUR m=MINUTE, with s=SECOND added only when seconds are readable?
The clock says h=3 m=29
